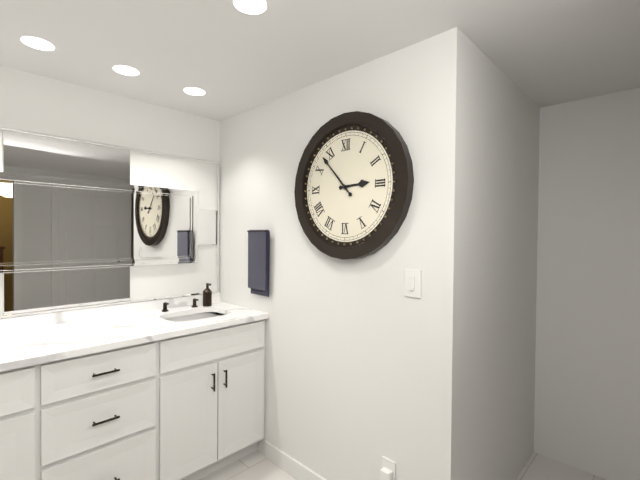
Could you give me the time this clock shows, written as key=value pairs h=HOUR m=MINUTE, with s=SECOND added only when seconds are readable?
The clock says h=2 m=53
